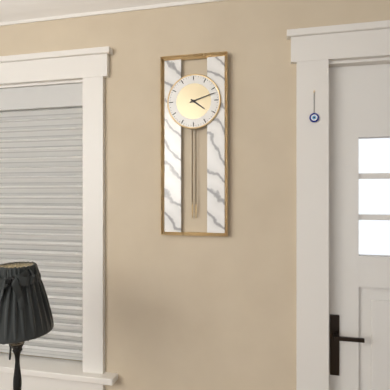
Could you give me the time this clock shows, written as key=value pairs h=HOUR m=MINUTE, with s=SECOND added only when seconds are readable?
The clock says h=4 m=12
